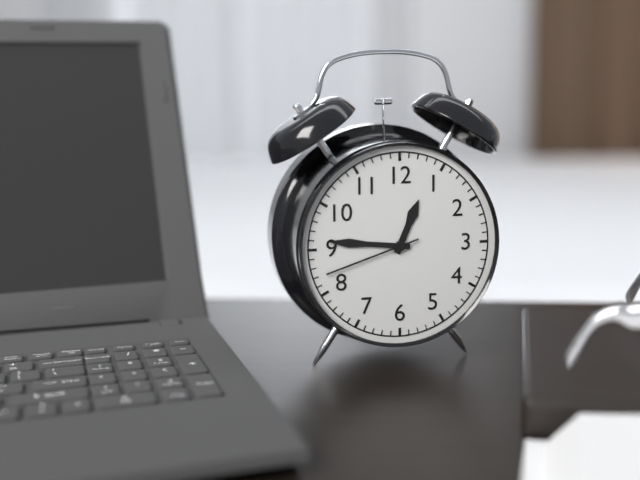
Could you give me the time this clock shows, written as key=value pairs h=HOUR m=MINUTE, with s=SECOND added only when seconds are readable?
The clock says h=12 m=46 s=42
